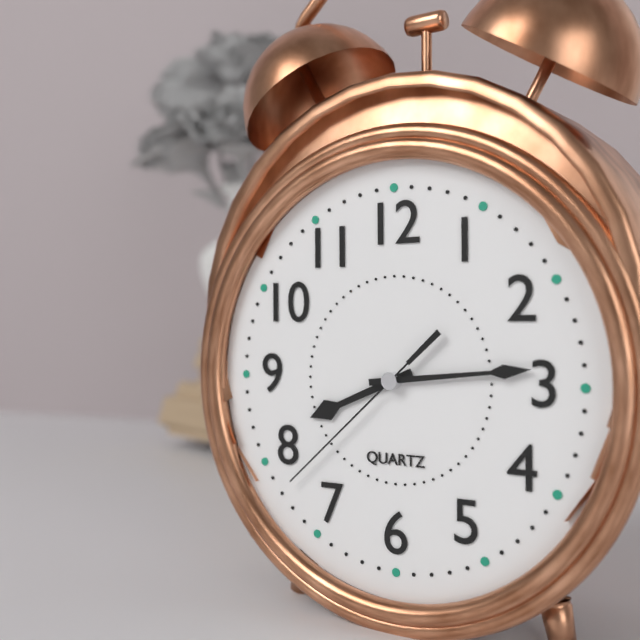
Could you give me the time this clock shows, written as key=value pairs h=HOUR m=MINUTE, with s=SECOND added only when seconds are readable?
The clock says h=8 m=14 s=38
